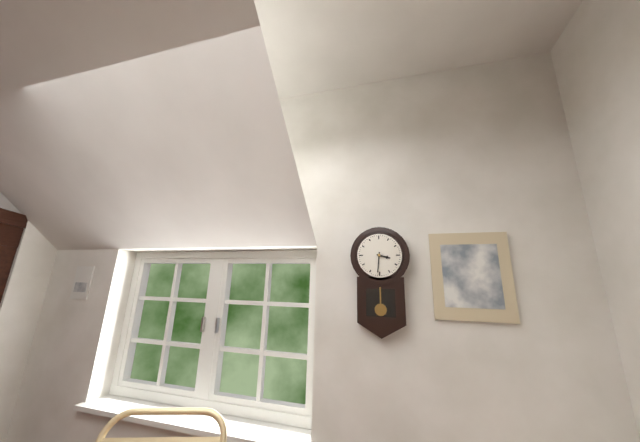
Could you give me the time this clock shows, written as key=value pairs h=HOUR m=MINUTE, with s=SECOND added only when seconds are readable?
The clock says h=3 m=31
